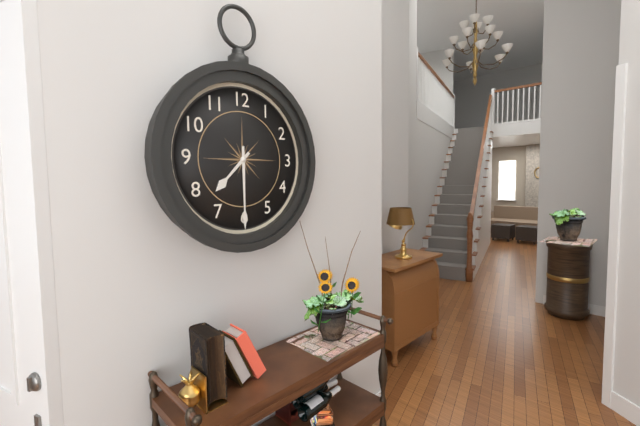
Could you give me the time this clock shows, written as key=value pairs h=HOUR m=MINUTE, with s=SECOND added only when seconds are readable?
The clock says h=7 m=30
